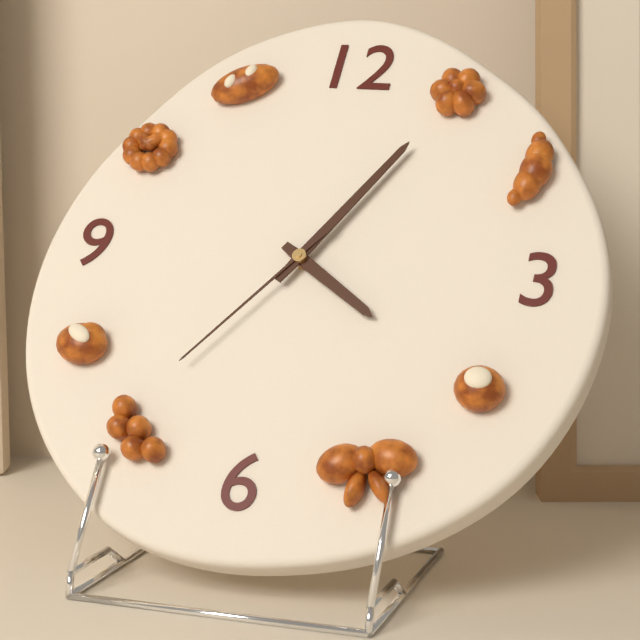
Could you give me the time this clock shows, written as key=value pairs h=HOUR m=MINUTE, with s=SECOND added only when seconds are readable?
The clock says h=4 m=5 s=36
